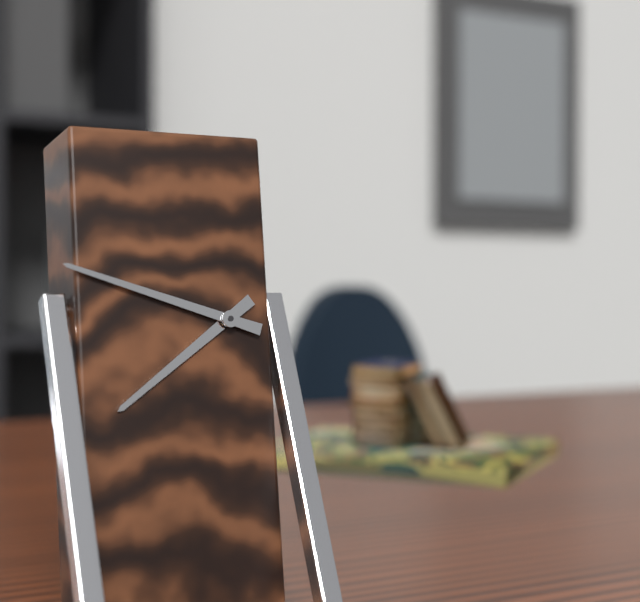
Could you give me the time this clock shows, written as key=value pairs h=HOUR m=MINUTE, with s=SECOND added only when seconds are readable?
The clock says h=7 m=48
